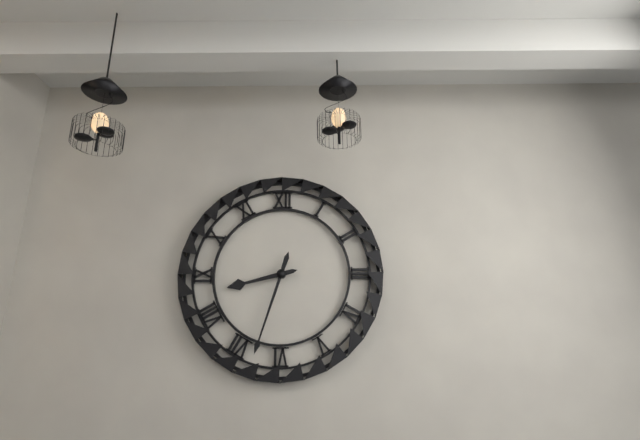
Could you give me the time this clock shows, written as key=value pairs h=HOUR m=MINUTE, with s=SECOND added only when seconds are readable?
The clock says h=8 m=33
